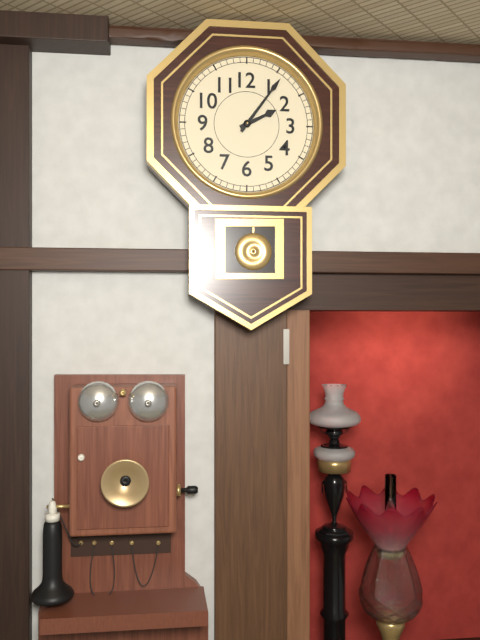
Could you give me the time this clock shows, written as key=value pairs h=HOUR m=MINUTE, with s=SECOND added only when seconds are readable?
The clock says h=2 m=6
